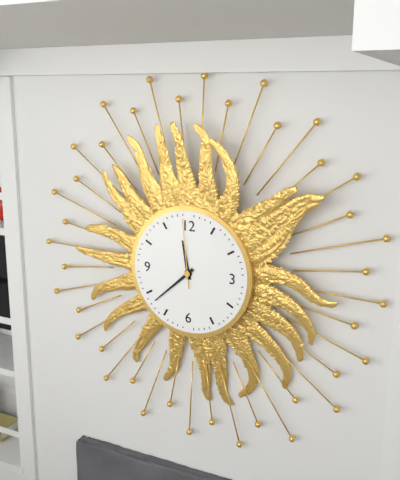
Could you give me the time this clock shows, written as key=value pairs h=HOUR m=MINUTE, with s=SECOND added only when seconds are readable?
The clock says h=11 m=38 s=59
